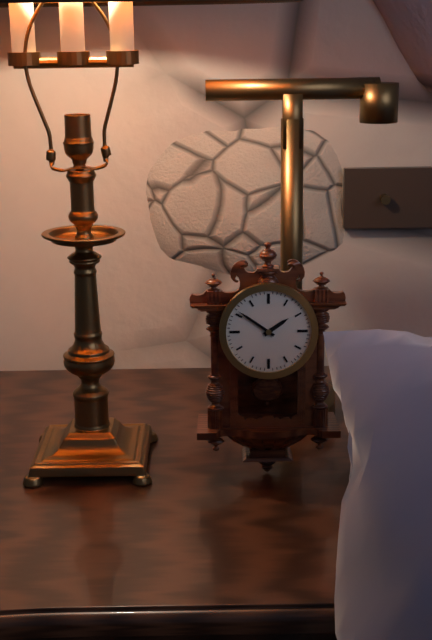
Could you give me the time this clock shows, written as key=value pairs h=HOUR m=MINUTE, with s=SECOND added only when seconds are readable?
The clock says h=1 m=51
